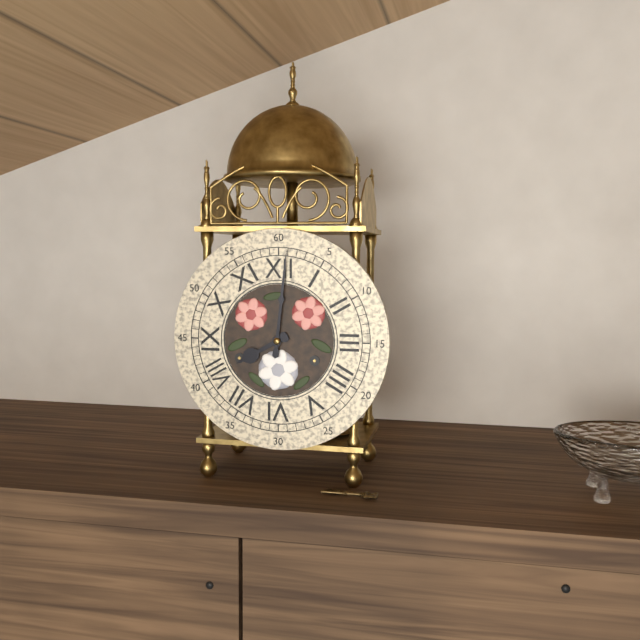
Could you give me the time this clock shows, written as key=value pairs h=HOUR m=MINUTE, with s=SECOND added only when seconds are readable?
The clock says h=8 m=1
